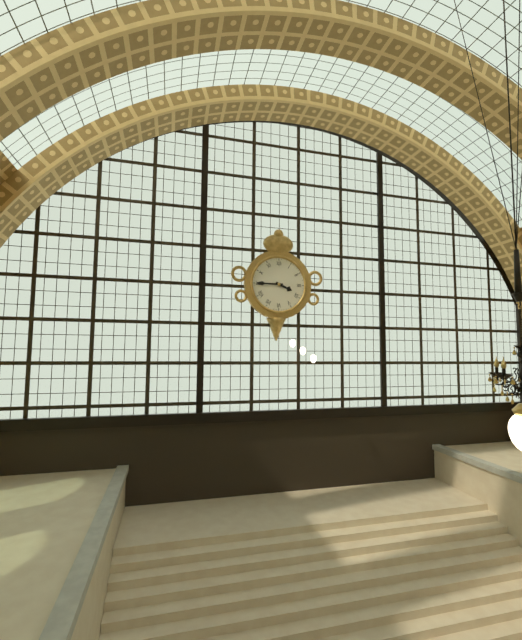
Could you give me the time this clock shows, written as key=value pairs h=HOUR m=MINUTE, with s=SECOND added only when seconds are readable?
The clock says h=3 m=45
